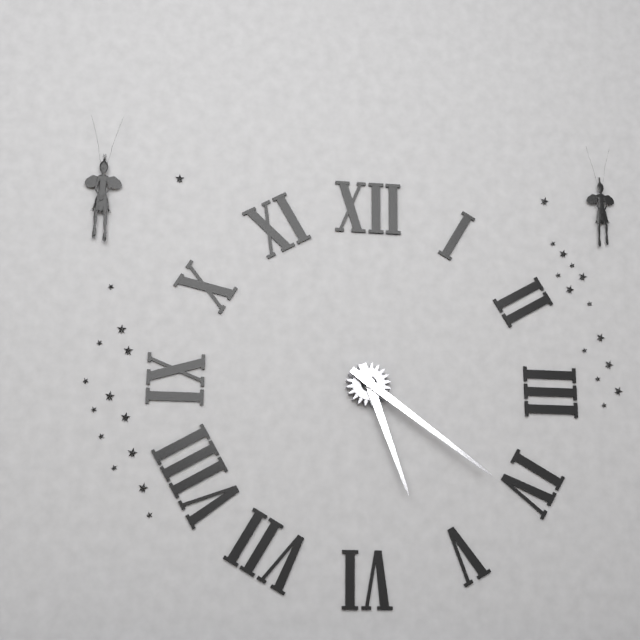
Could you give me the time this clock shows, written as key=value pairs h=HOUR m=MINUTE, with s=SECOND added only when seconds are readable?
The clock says h=5 m=21
